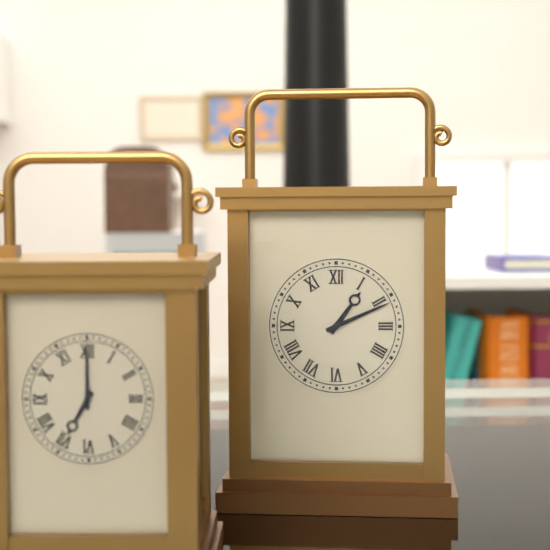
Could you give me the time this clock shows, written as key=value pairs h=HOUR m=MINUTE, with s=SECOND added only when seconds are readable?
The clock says h=1 m=11
